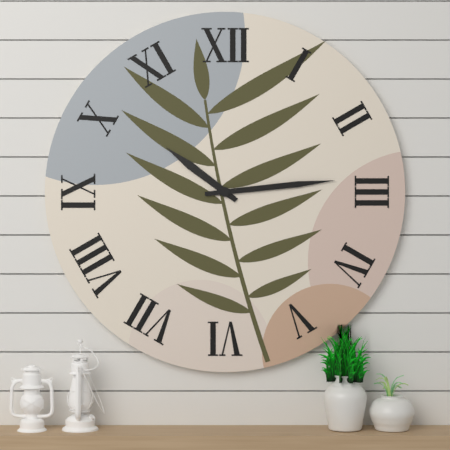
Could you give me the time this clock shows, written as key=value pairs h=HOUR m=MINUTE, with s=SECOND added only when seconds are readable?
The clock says h=10 m=14
